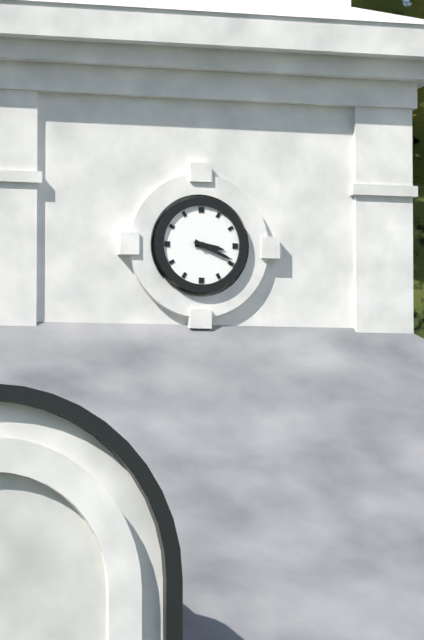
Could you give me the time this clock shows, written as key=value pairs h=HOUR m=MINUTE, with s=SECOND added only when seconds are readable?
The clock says h=3 m=19
